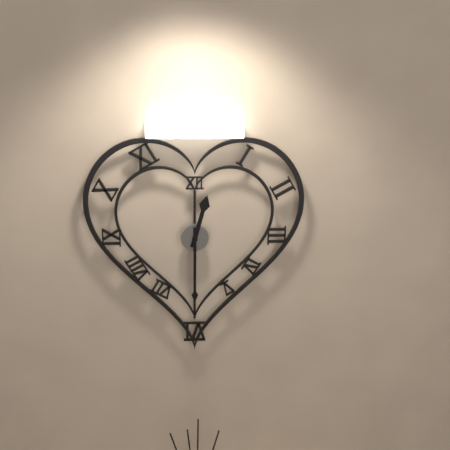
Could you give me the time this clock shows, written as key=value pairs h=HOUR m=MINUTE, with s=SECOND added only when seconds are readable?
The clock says h=12 m=30
